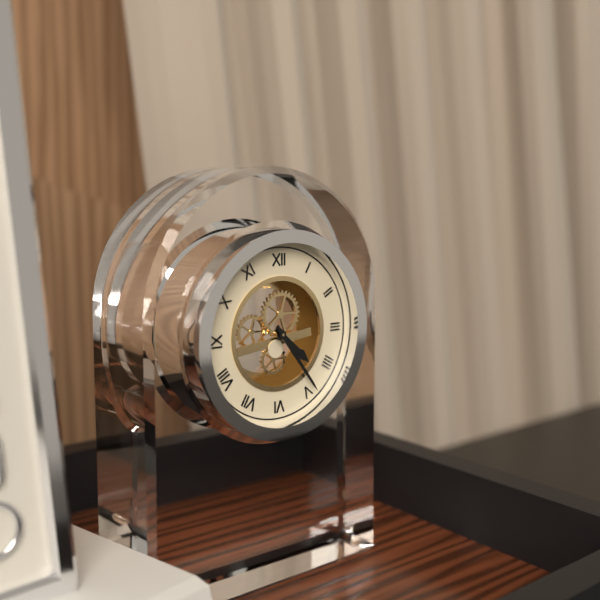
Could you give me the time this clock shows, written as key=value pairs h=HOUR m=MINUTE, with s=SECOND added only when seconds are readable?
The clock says h=4 m=24
